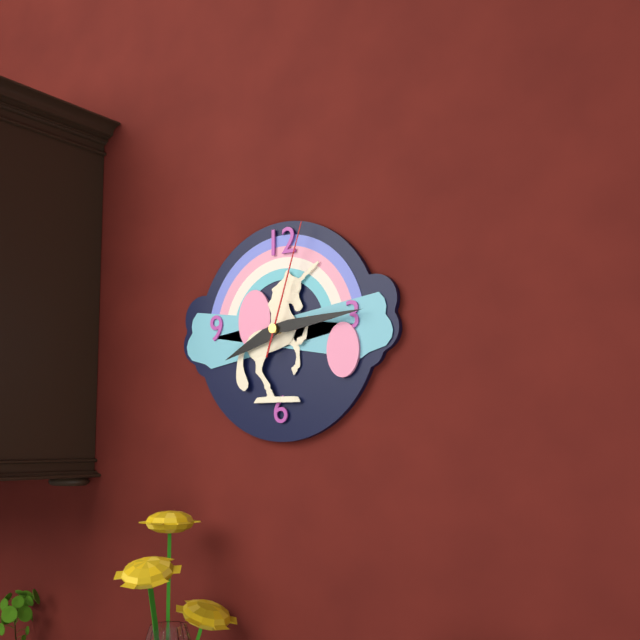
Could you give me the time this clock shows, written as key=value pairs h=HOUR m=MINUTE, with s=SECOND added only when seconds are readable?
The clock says h=8 m=14 s=3
